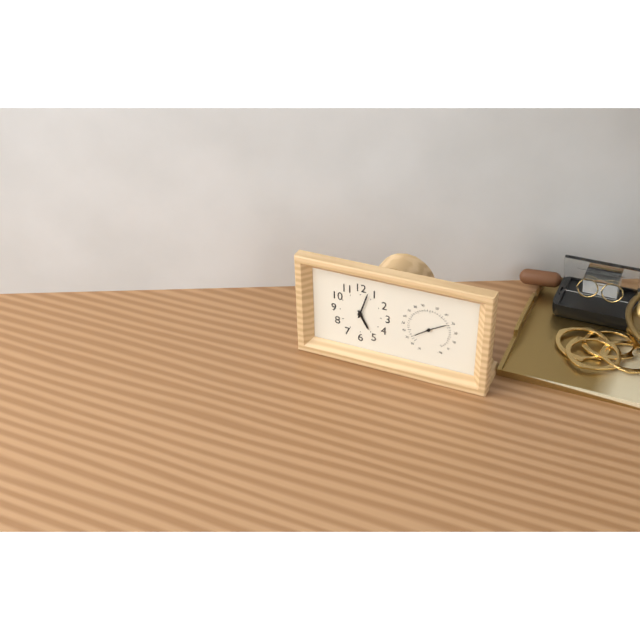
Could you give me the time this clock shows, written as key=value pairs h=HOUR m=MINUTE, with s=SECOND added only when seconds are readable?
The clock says h=5 m=3
